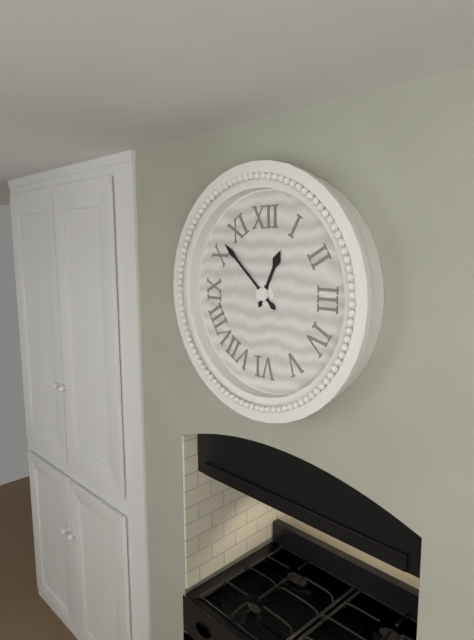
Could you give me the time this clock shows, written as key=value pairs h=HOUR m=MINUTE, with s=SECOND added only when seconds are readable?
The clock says h=12 m=52
